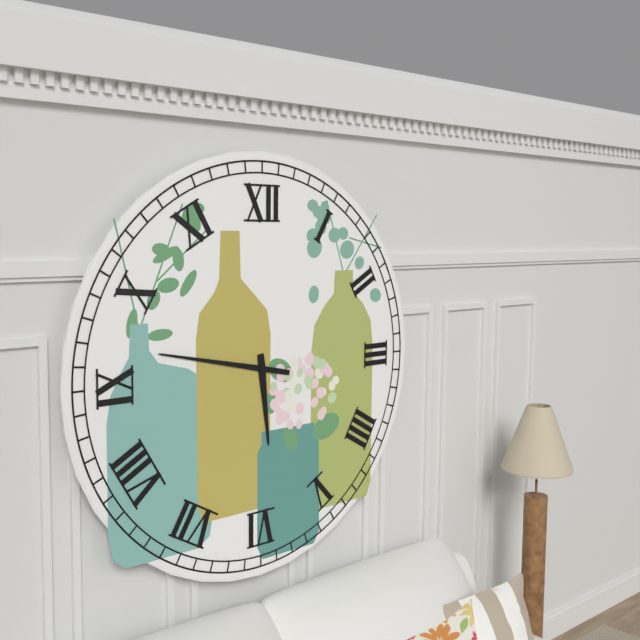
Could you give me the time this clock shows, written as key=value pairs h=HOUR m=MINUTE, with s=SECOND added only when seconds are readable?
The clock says h=5 m=47
